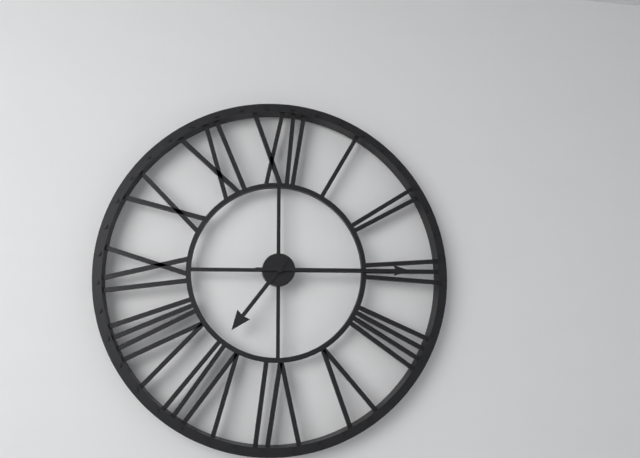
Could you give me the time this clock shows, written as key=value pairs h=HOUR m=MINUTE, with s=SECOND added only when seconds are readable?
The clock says h=7 m=15
